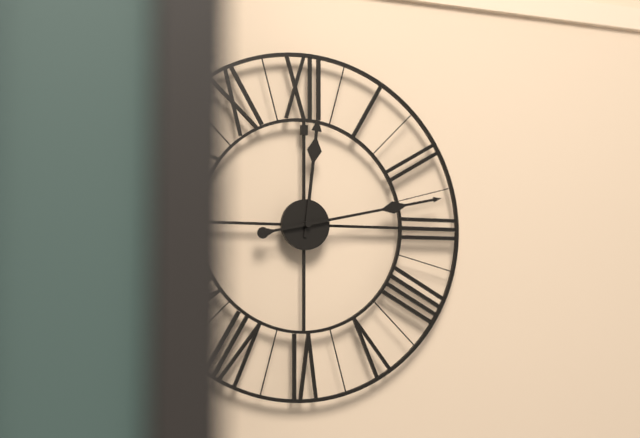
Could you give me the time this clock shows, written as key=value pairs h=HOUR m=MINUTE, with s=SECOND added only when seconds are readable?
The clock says h=12 m=13
